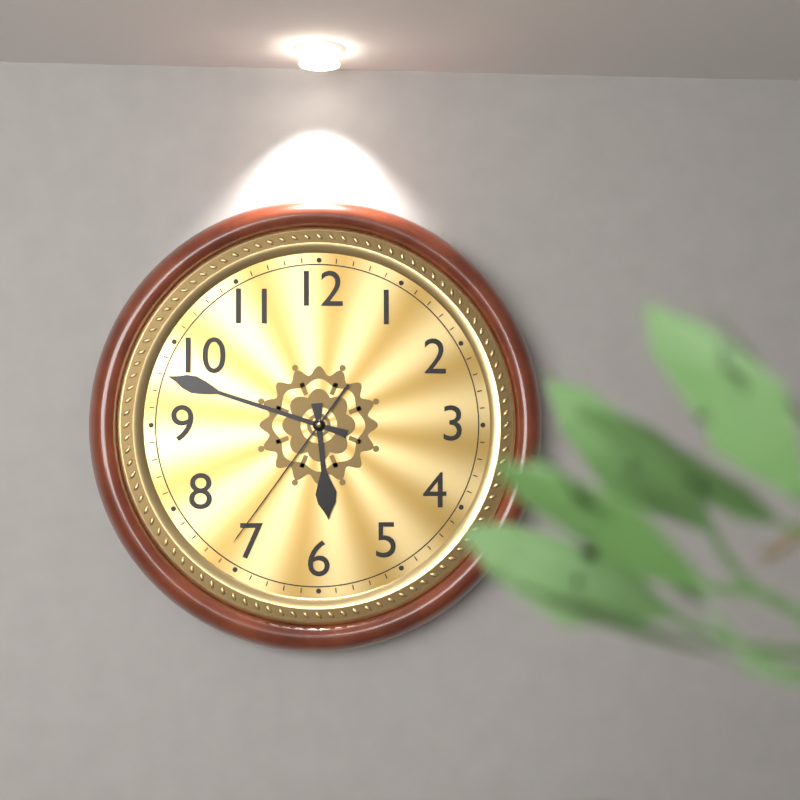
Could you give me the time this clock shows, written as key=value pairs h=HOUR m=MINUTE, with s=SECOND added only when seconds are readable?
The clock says h=5 m=48 s=36
